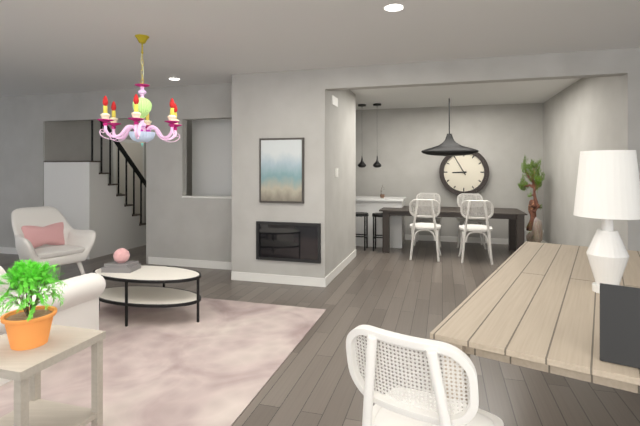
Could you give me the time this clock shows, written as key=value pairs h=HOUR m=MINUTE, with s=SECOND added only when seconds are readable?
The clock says h=8 m=55
